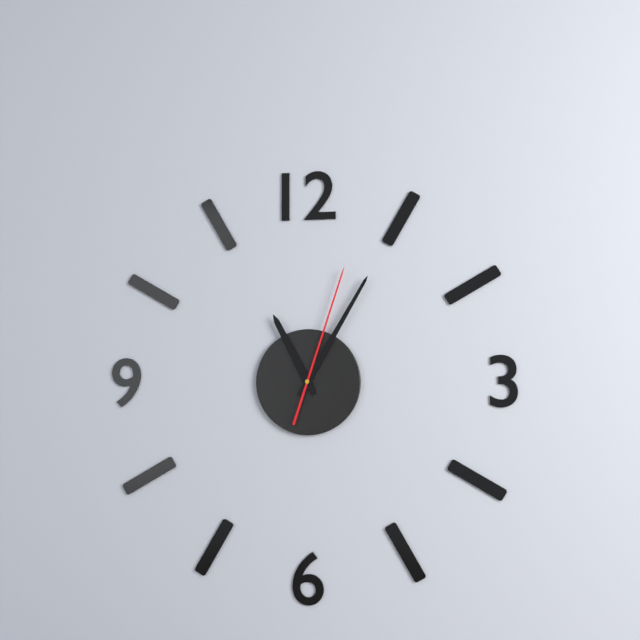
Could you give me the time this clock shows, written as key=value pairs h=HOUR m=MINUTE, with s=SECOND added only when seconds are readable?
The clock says h=11 m=5 s=3
